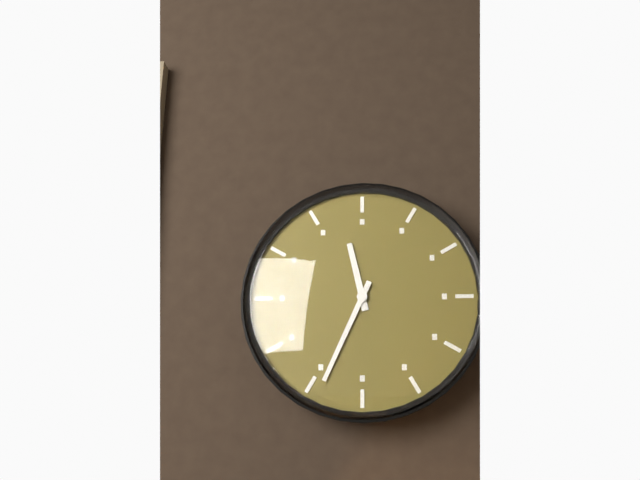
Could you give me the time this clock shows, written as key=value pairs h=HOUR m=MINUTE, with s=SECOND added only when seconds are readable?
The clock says h=11 m=34
